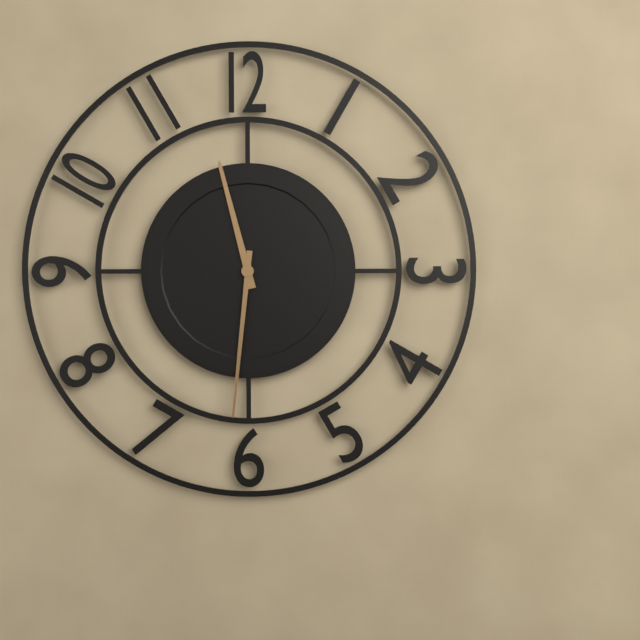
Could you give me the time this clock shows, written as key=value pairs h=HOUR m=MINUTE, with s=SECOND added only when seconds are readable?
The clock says h=11 m=31
